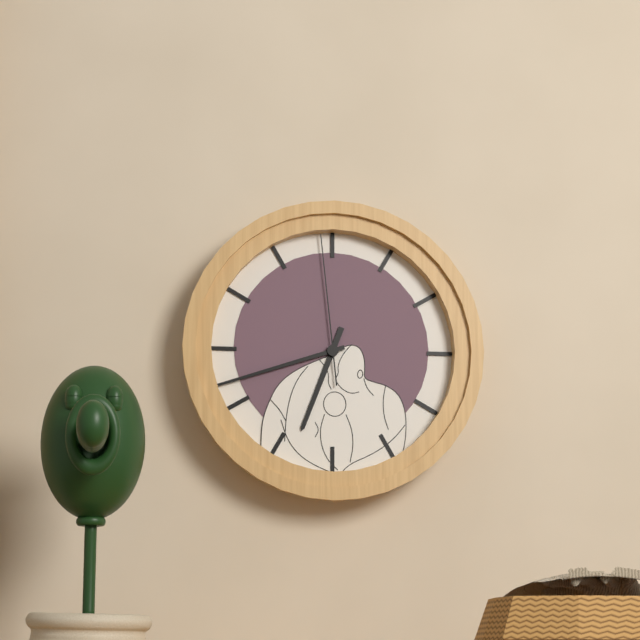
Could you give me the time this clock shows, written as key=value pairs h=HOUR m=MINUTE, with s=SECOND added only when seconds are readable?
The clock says h=6 m=42 s=59
